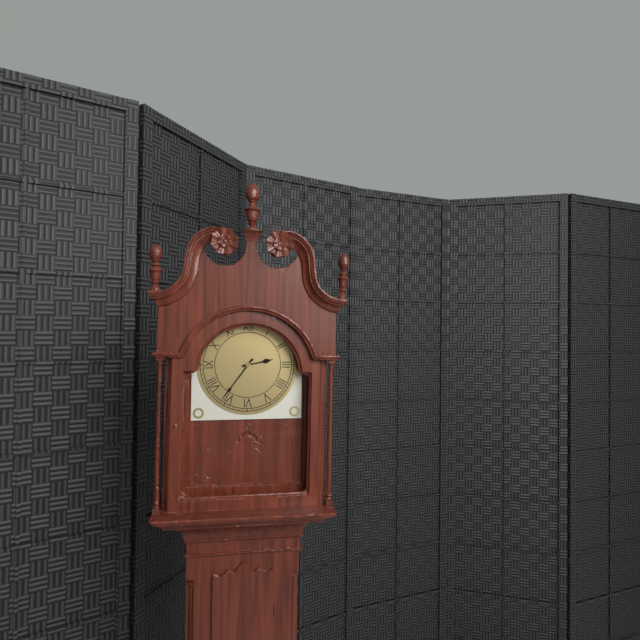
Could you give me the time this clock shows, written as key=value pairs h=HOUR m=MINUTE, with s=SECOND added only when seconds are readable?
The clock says h=2 m=36
